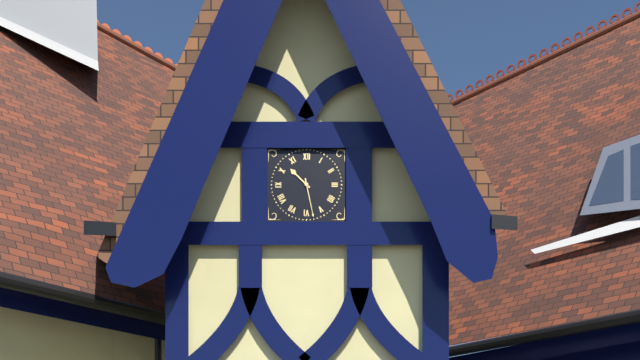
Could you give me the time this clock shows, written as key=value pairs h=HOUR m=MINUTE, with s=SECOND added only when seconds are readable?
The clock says h=10 m=28
